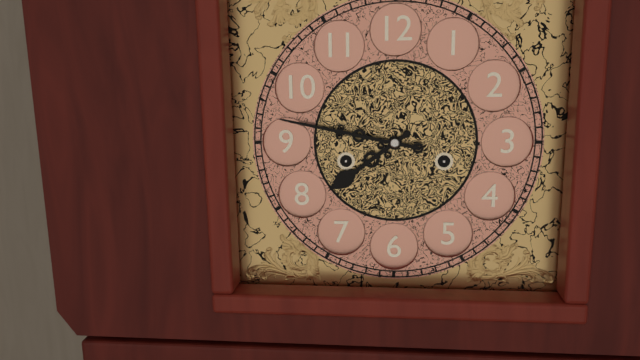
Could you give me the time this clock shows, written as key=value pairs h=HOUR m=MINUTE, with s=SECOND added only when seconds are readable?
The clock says h=7 m=47
